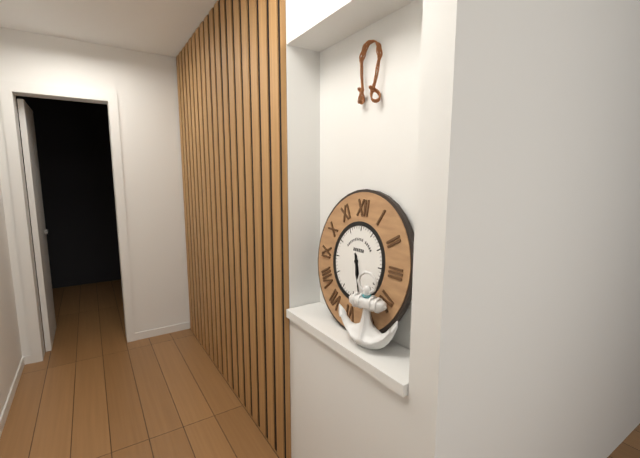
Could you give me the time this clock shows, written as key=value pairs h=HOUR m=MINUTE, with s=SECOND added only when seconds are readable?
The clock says h=5 m=27
